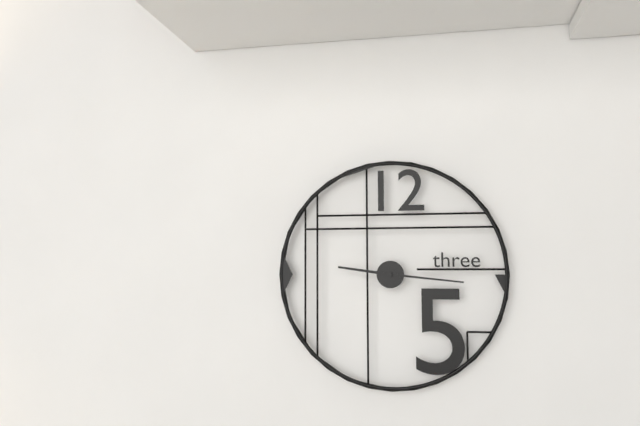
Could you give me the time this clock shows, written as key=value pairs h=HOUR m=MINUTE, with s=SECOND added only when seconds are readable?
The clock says h=9 m=16
